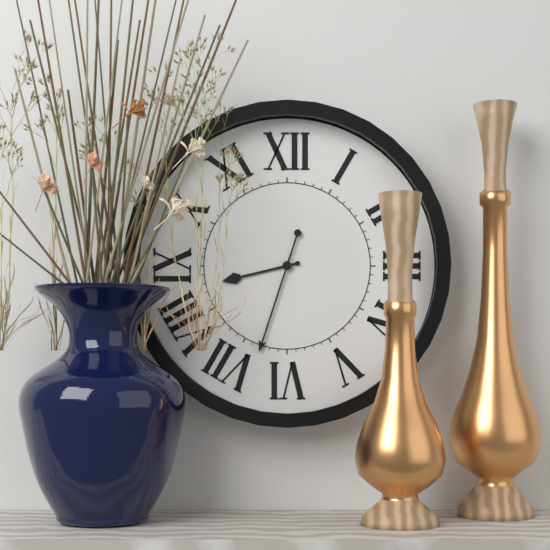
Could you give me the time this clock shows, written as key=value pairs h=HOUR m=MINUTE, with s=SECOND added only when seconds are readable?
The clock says h=8 m=33
